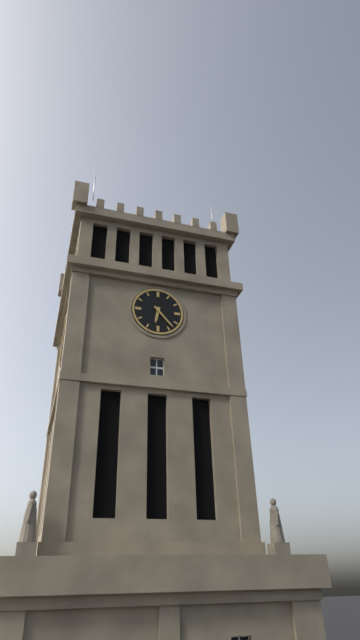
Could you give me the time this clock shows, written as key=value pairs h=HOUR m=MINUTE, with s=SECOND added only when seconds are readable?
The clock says h=6 m=23
